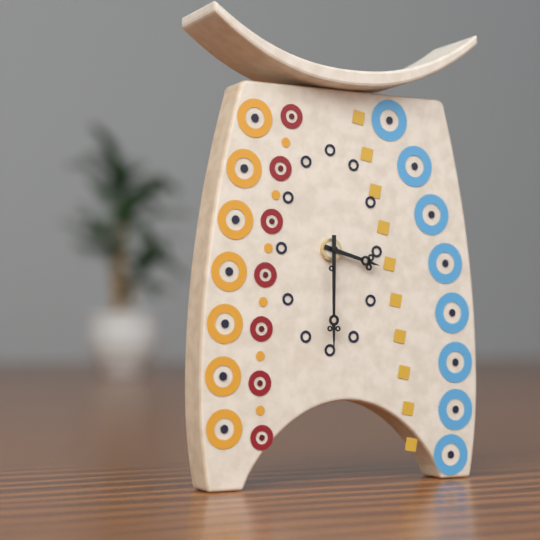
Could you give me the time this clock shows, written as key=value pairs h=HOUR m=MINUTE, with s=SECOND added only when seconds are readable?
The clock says h=3 m=30
